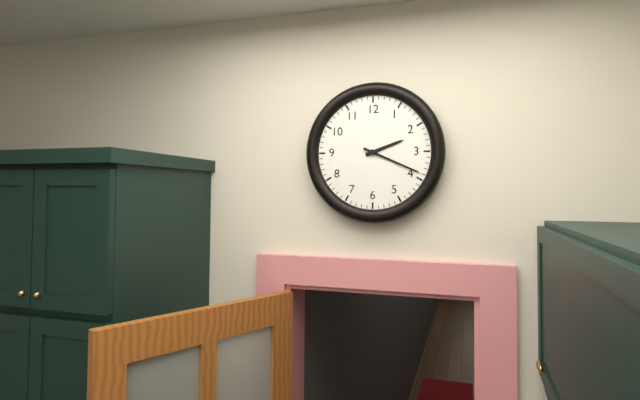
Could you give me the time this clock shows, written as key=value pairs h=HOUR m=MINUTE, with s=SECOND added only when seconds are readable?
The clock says h=2 m=19
